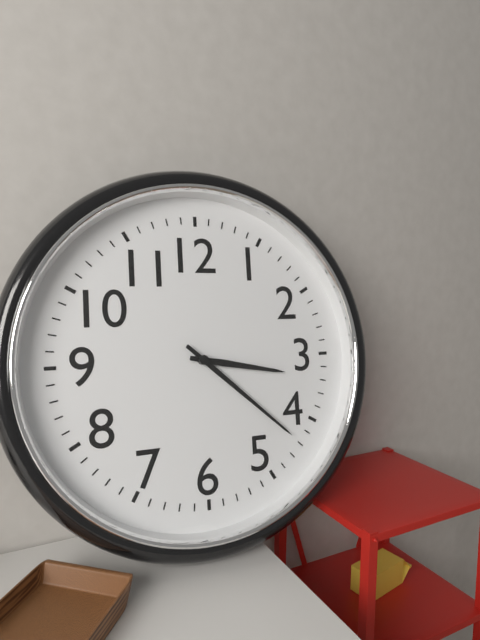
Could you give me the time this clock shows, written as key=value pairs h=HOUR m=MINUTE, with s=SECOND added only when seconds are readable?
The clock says h=3 m=22
